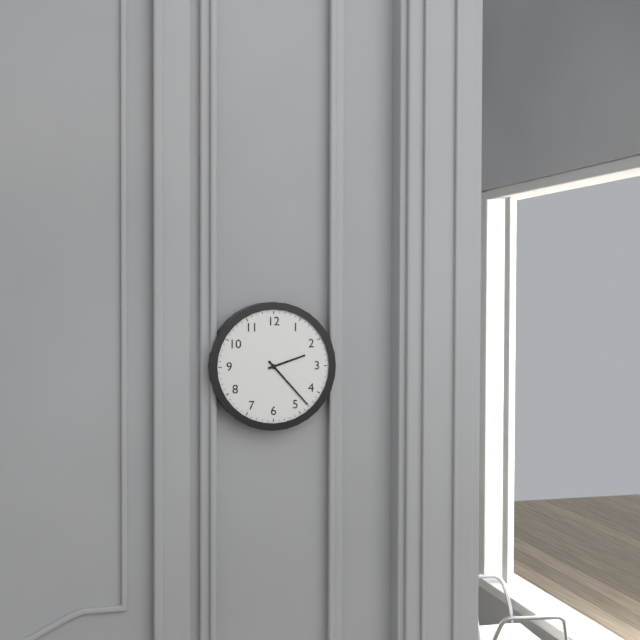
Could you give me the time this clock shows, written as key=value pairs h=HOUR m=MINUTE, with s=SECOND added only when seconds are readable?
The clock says h=2 m=23
